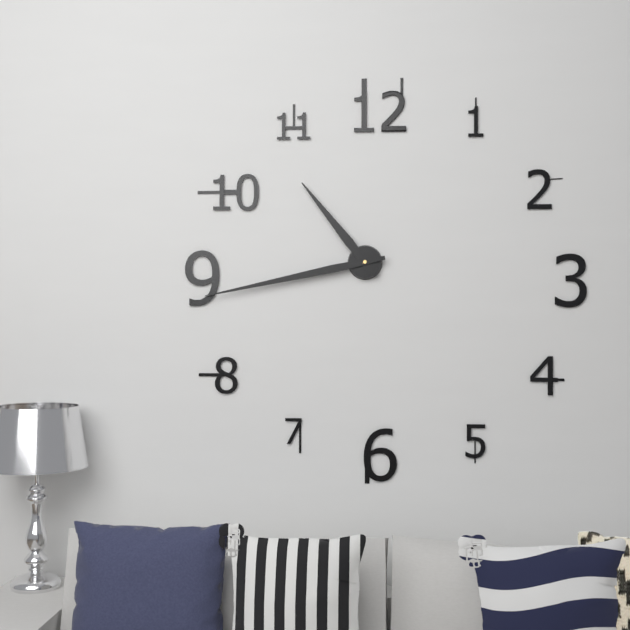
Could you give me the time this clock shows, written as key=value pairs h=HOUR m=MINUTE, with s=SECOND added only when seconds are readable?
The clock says h=10 m=43
